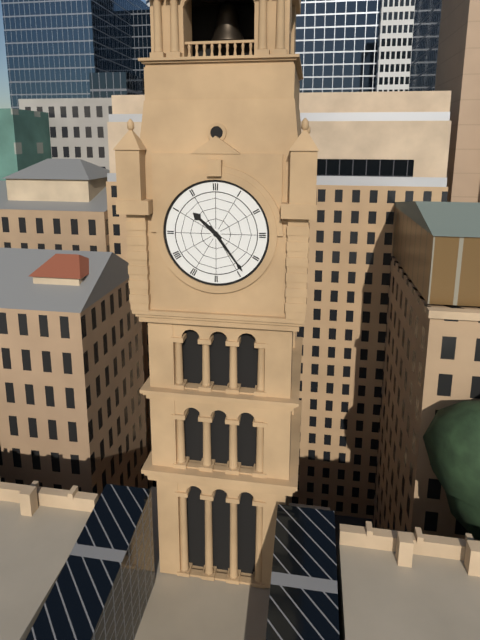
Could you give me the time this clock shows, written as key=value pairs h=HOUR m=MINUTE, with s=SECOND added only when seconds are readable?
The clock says h=10 m=24
